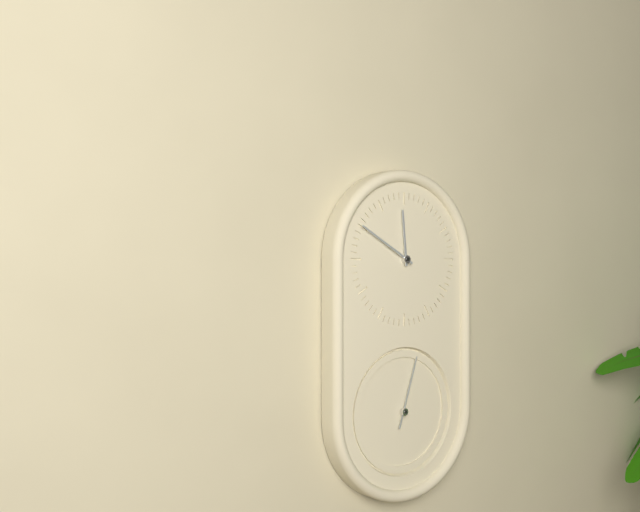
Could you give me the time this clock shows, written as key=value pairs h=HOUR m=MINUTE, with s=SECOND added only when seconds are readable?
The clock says h=11 m=50 s=3
